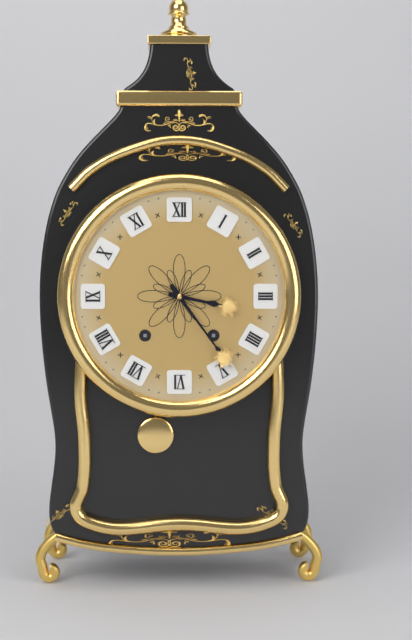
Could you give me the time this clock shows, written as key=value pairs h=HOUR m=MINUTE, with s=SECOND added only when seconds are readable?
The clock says h=3 m=24
